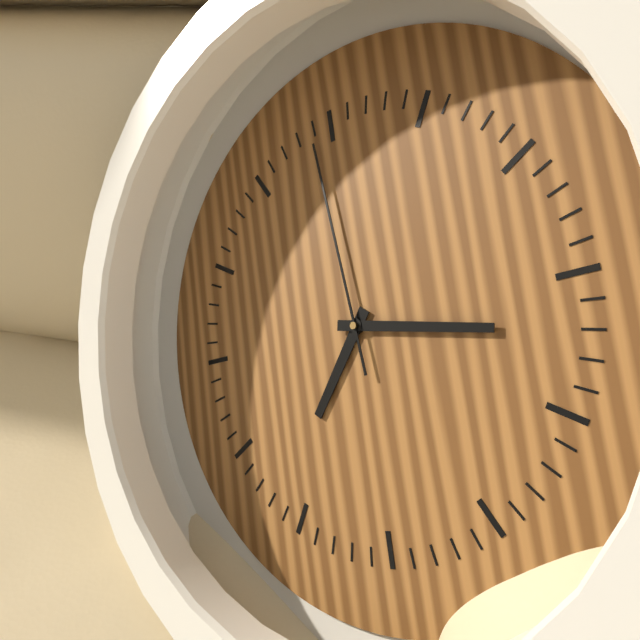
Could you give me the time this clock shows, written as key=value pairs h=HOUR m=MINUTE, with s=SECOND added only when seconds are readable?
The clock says h=7 m=17 s=59
